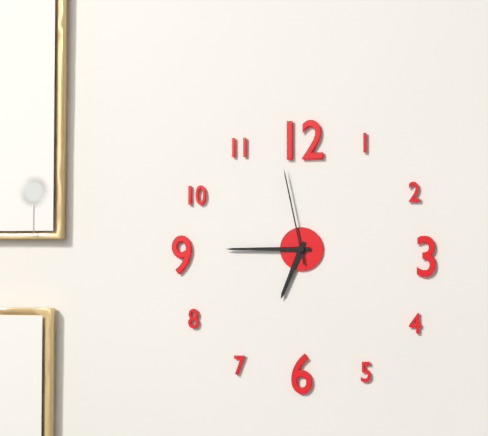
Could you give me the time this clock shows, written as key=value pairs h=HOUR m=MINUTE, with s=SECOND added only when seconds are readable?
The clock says h=6 m=45 s=58
